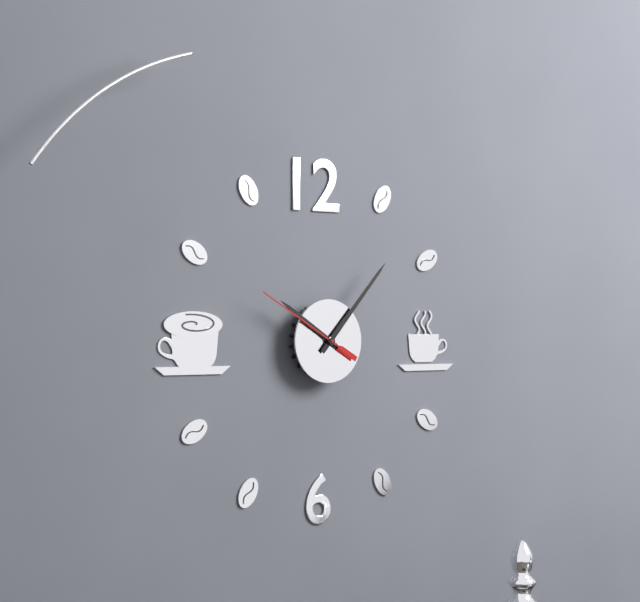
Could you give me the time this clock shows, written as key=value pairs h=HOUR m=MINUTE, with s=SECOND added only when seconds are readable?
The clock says h=10 m=7 s=50
